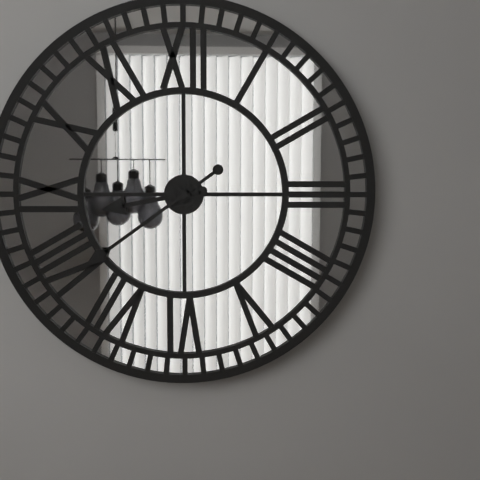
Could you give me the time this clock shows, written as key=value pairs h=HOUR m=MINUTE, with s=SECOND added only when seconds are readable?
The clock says h=8 m=39
